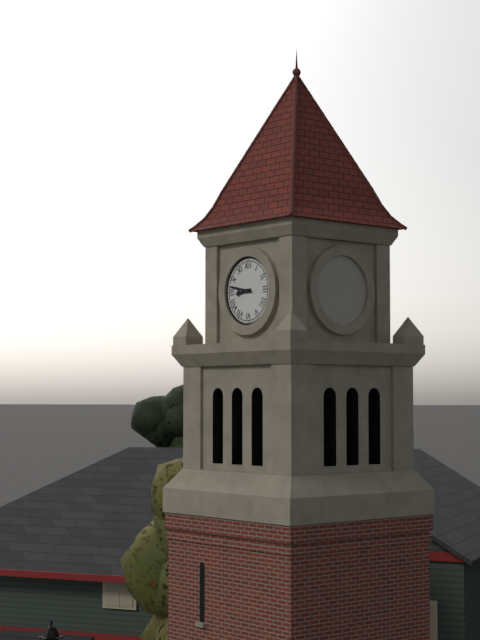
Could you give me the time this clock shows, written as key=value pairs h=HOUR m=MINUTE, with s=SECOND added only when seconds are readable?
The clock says h=8 m=47
